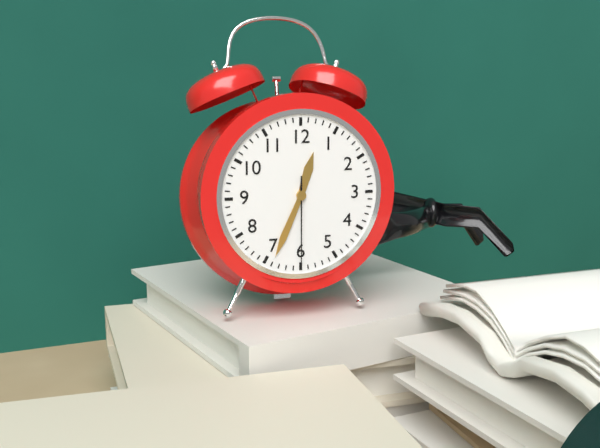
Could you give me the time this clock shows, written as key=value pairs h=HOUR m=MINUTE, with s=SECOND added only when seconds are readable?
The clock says h=12 m=34 s=30
